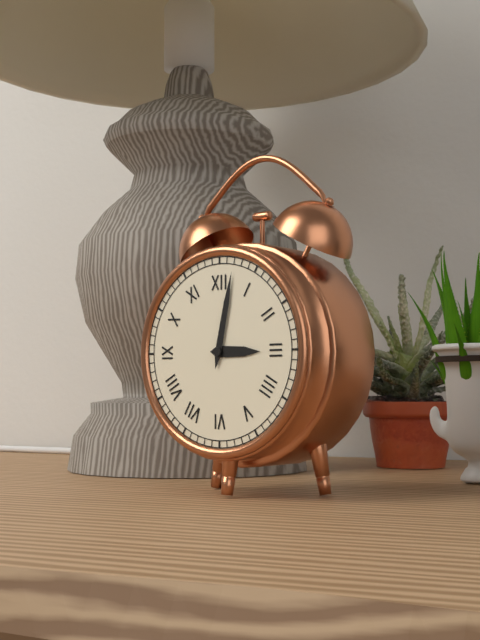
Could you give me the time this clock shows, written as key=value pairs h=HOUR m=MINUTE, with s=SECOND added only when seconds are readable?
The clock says h=3 m=2
